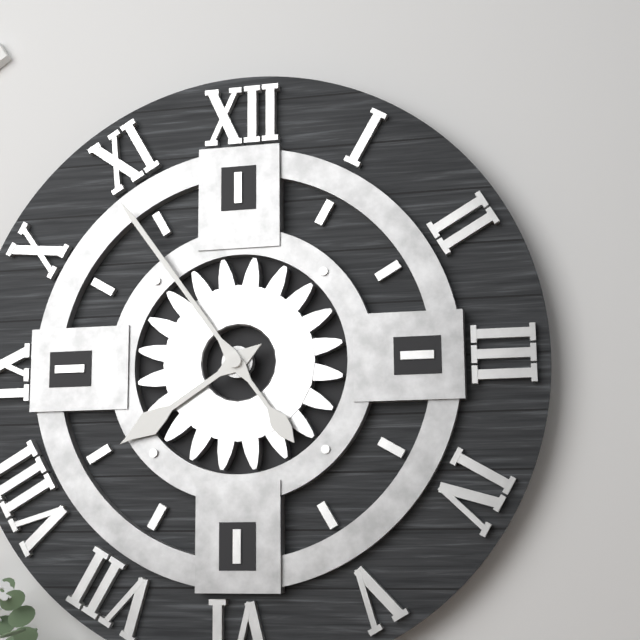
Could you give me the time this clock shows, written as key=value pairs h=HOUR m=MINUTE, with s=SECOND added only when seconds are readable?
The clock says h=7 m=54
